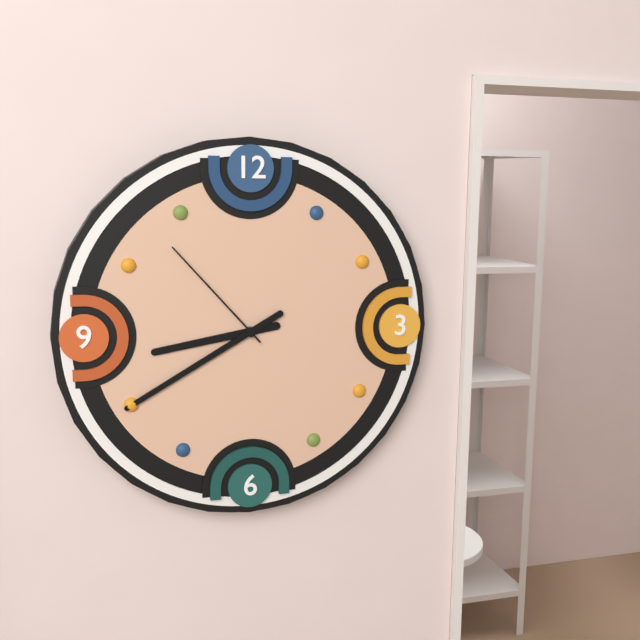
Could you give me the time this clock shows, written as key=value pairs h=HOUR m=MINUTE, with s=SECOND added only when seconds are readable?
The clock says h=8 m=40 s=53
